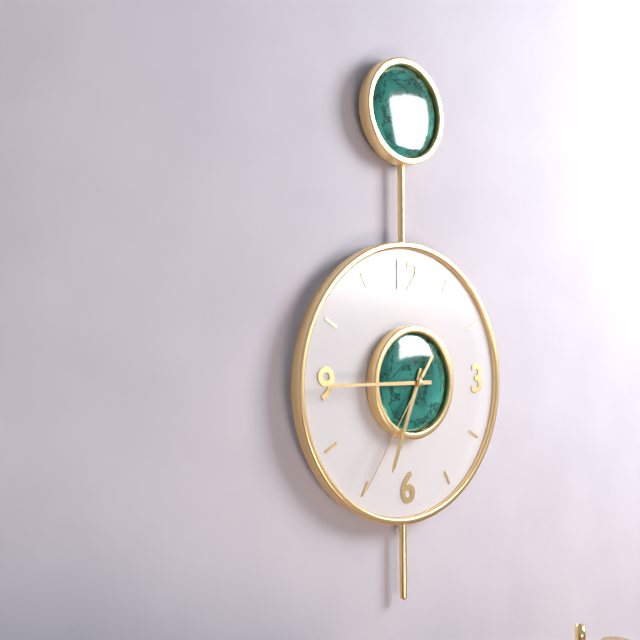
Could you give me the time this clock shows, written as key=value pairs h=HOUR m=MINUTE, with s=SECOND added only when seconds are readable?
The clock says h=6 m=45 s=36
